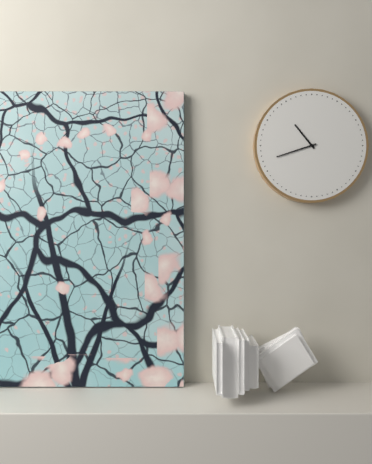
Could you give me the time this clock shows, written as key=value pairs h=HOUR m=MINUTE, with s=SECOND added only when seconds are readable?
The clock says h=10 m=42
